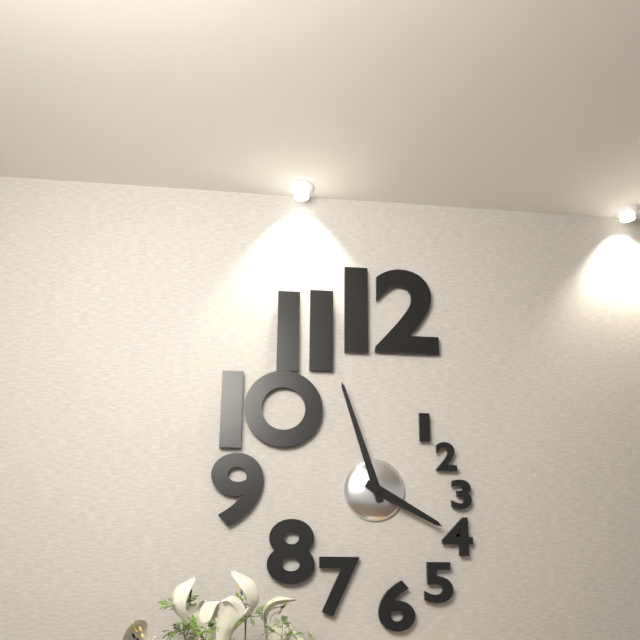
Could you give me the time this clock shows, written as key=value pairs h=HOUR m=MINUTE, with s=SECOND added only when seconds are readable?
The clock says h=3 m=57
